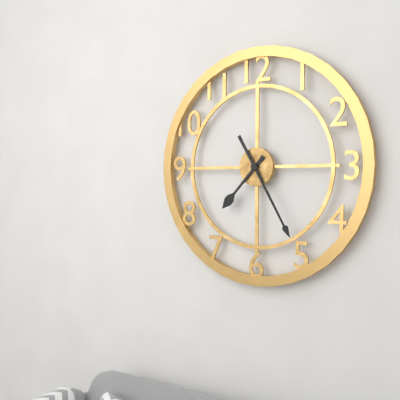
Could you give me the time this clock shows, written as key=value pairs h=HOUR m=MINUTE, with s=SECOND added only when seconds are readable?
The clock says h=7 m=25
